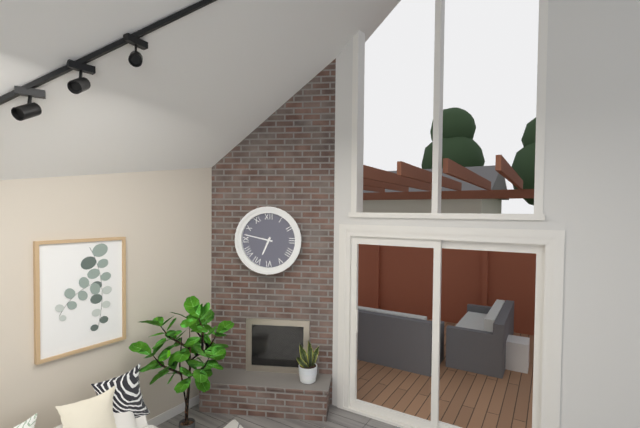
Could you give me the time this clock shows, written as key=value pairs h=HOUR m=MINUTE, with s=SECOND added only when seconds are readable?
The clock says h=6 m=47
